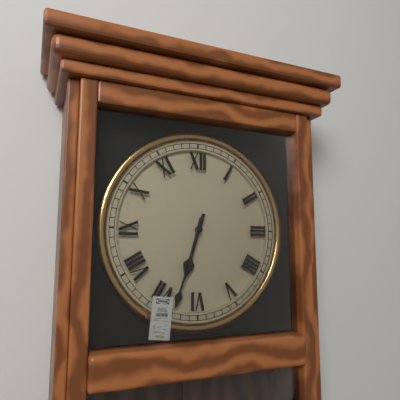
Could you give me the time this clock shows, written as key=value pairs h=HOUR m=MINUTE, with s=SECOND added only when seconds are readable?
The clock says h=6 m=33
